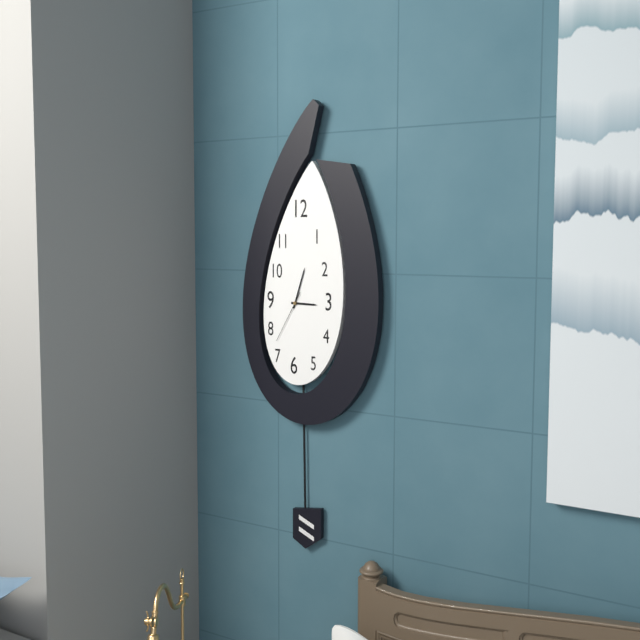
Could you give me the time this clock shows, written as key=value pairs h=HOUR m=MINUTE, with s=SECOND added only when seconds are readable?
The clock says h=3 m=3 s=35
